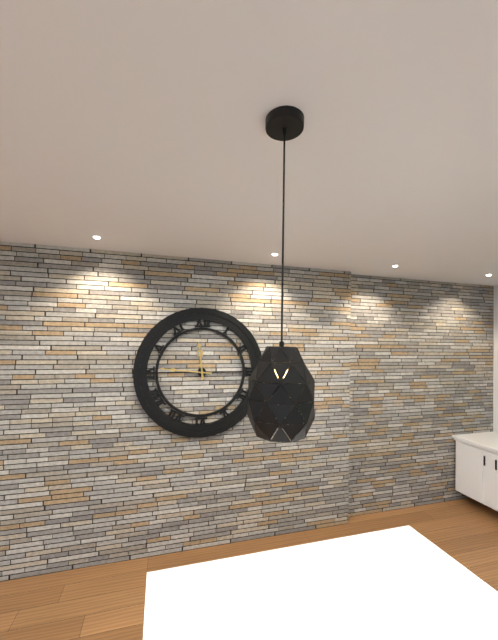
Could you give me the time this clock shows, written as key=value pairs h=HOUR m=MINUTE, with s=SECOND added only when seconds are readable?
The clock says h=11 m=46
